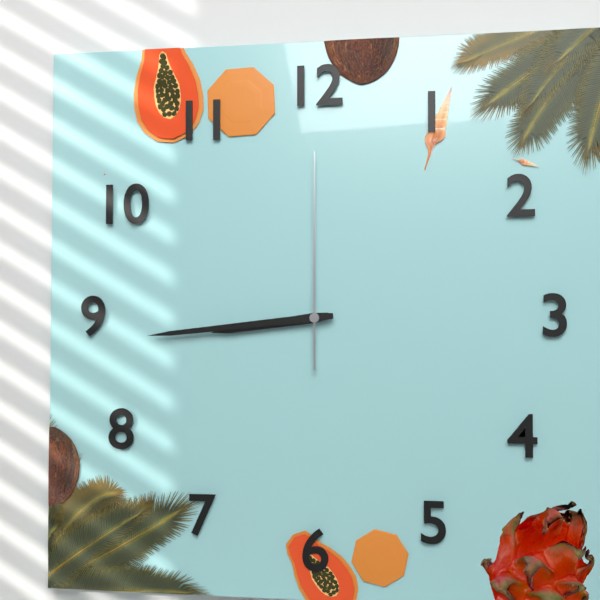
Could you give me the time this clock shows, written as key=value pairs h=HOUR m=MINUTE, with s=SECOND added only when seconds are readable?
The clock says h=8 m=44 s=0
